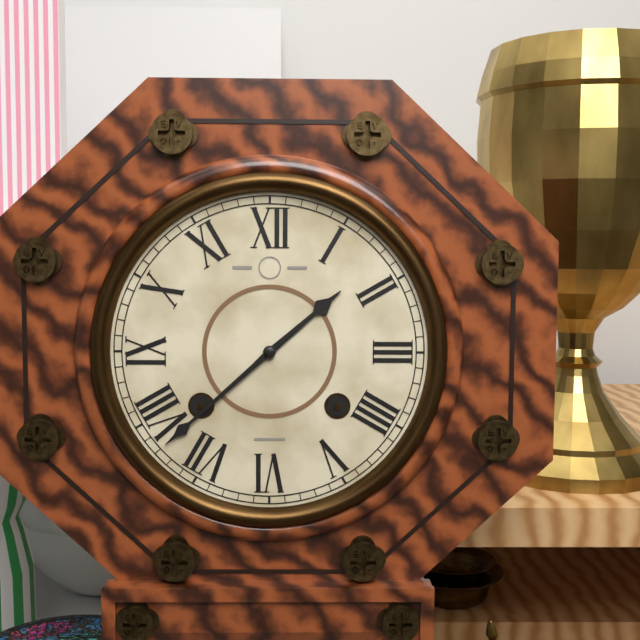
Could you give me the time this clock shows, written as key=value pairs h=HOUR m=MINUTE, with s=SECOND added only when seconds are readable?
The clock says h=1 m=38
